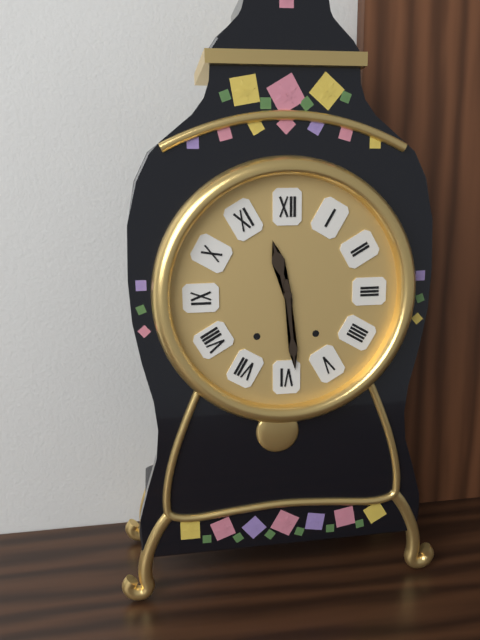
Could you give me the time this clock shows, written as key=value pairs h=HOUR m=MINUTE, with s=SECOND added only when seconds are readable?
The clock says h=11 m=29
